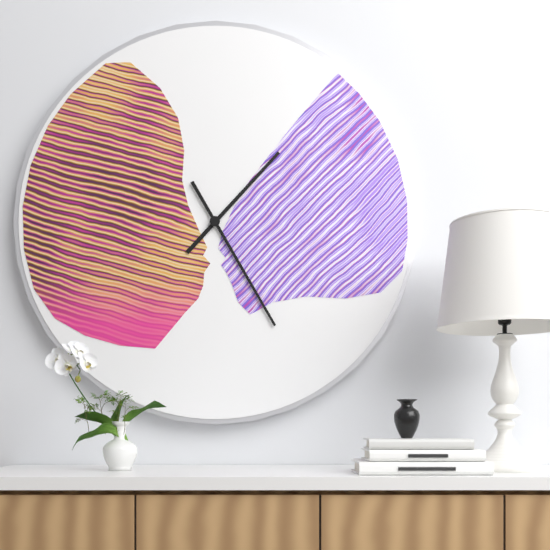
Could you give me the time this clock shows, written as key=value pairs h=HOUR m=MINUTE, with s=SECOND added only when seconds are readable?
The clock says h=1 m=25
